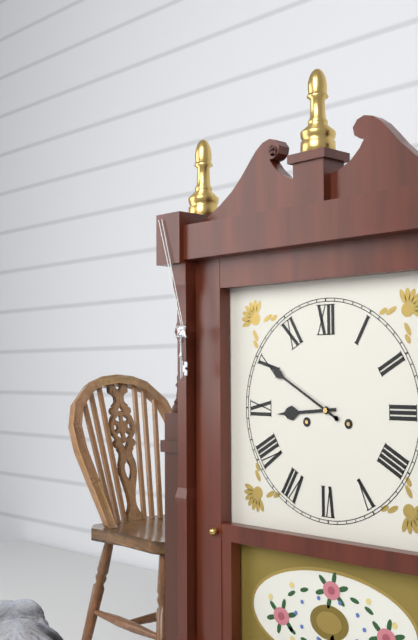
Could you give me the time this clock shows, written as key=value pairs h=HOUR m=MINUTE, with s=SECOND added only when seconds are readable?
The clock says h=8 m=50
